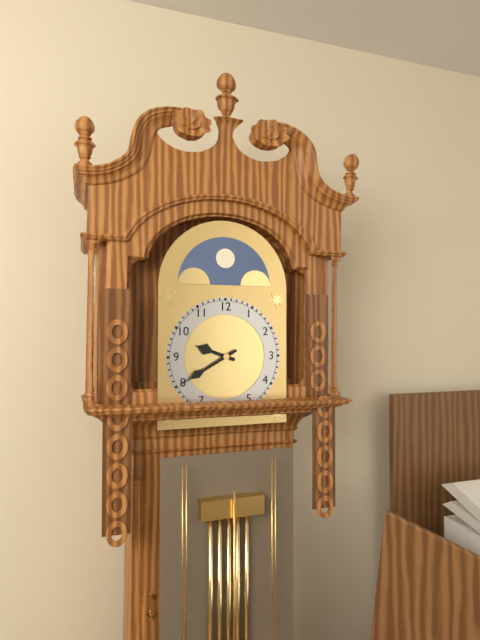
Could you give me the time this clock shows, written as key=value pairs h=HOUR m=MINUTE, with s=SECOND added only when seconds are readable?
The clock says h=9 m=40
